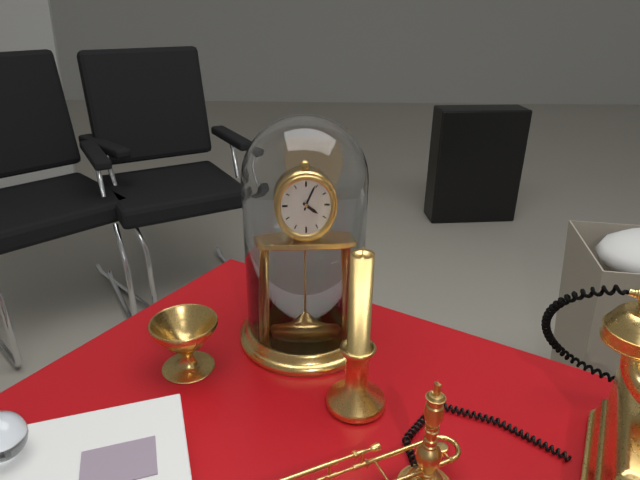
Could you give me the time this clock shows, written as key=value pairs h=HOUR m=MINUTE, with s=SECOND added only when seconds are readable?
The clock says h=4 m=4
